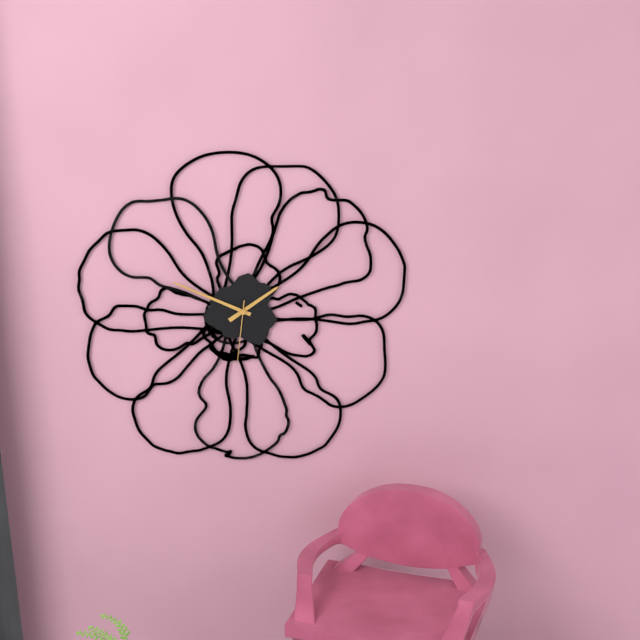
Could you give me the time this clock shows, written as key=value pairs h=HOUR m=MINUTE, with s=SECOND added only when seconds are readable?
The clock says h=1 m=49 s=31
